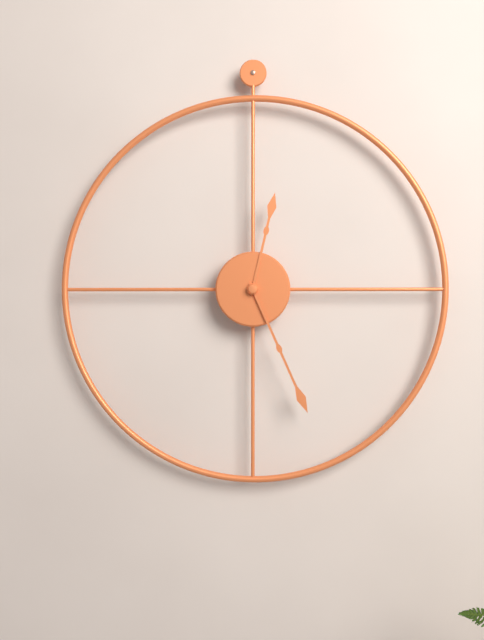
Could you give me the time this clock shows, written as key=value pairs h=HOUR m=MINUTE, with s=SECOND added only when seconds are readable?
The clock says h=12 m=26
